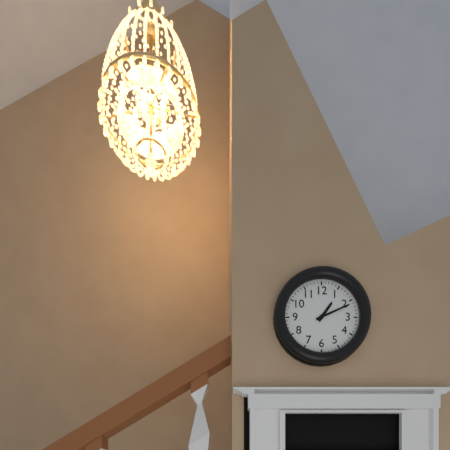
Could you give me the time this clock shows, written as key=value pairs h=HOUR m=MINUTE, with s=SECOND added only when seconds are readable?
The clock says h=1 m=11
